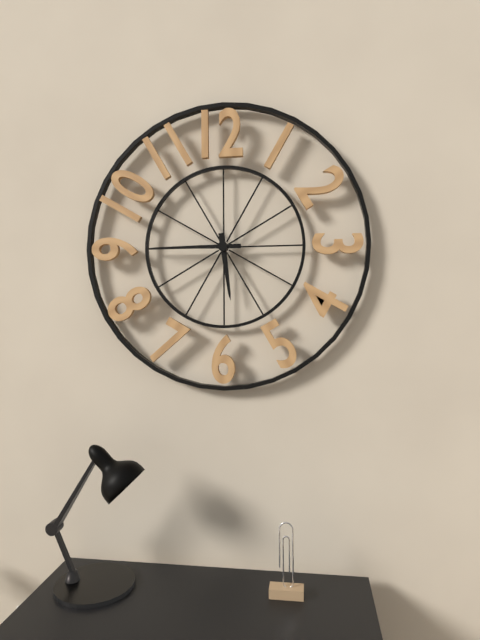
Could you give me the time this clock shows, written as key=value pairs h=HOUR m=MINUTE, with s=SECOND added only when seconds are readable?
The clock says h=5 m=45
